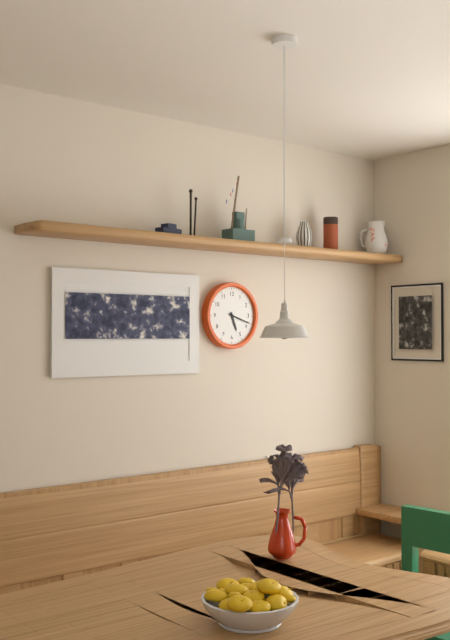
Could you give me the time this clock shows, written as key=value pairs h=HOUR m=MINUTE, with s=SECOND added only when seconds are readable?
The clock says h=5 m=18
